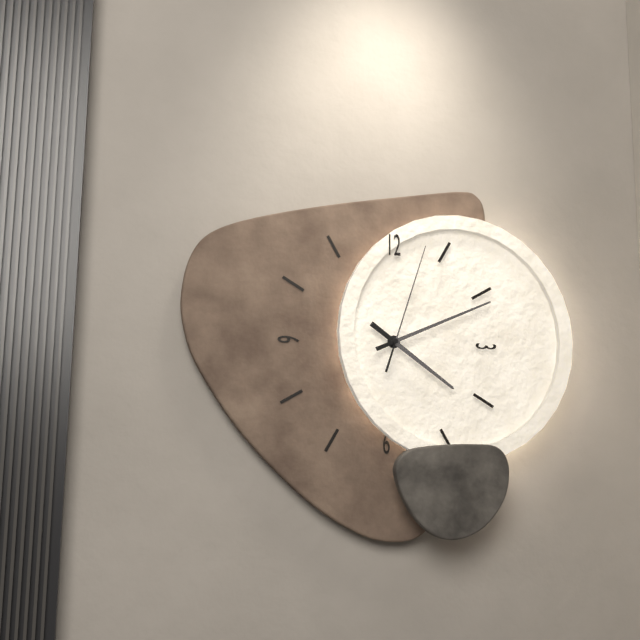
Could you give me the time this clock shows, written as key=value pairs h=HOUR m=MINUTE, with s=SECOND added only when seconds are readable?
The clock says h=4 m=11 s=3
